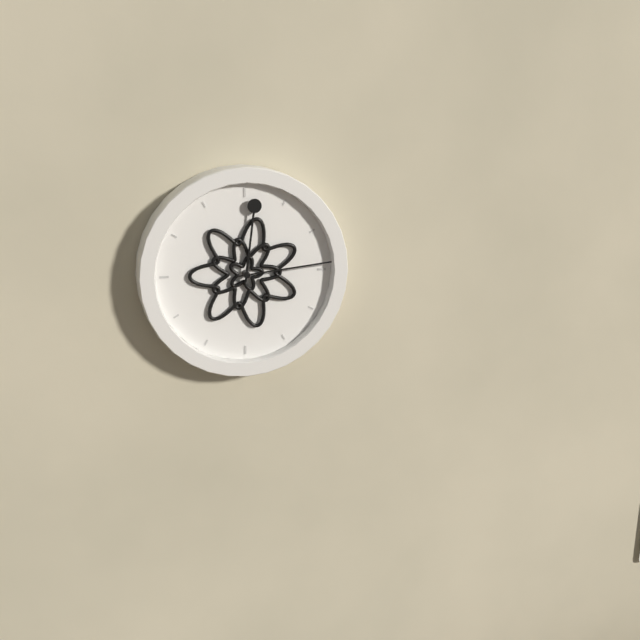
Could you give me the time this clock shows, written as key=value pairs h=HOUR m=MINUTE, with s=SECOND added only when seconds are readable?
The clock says h=12 m=14
